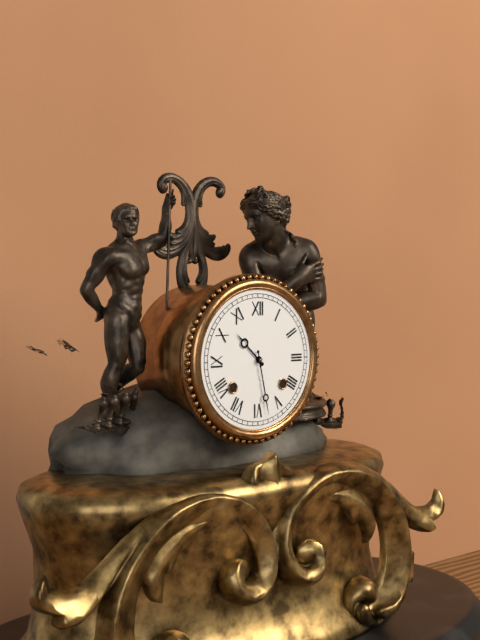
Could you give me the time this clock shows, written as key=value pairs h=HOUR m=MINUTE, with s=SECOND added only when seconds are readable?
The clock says h=10 m=28
